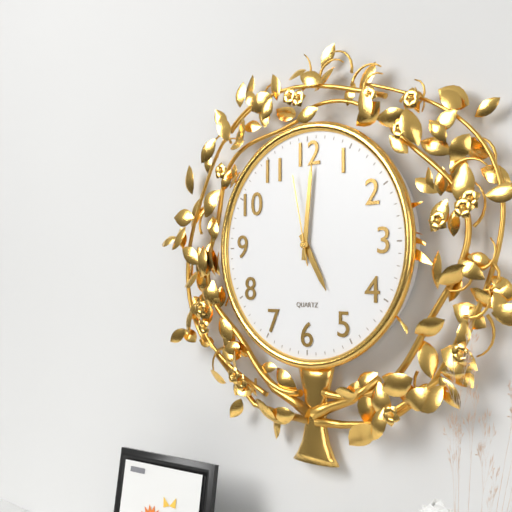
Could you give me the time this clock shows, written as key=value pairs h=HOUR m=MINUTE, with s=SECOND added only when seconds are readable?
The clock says h=5 m=1 s=58
